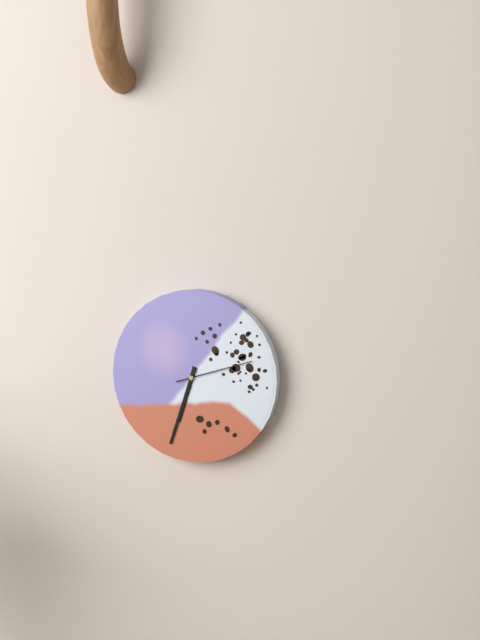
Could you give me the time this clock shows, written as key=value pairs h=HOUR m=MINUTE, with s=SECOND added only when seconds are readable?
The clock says h=6 m=33 s=12
